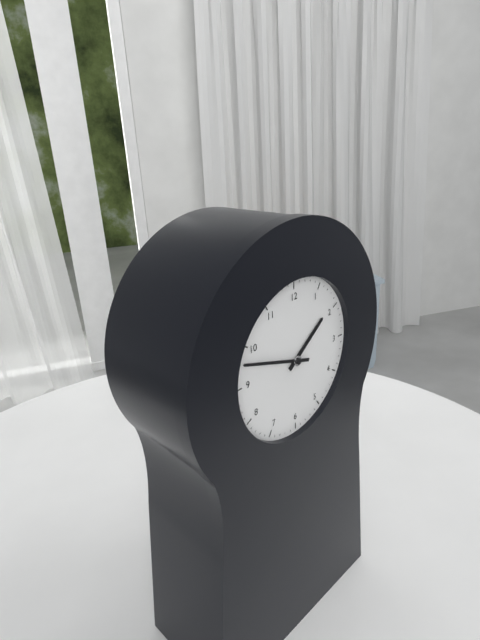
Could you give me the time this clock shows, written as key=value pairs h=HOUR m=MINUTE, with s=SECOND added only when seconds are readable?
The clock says h=1 m=48
